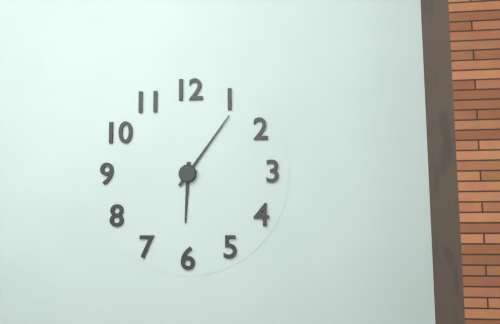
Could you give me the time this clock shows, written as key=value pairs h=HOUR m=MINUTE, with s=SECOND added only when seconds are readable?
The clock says h=6 m=6
